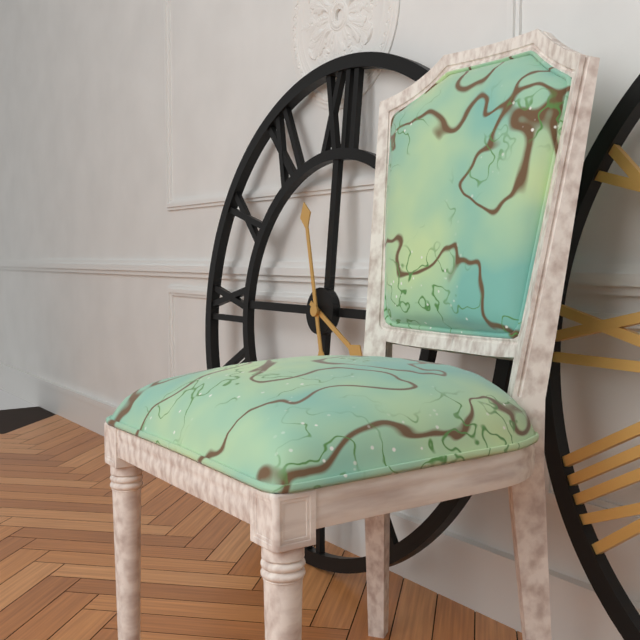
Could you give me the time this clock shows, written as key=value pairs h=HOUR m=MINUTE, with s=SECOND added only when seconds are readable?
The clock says h=3 m=57
